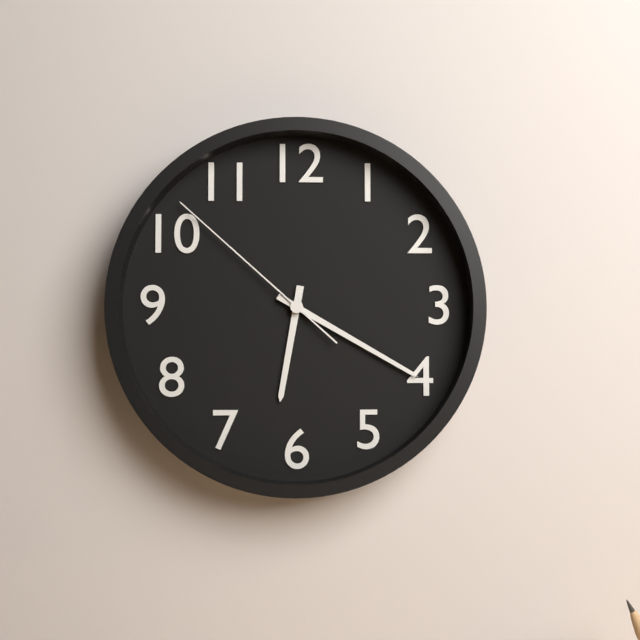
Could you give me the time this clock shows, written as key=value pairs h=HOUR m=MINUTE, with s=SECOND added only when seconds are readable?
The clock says h=6 m=20 s=52
